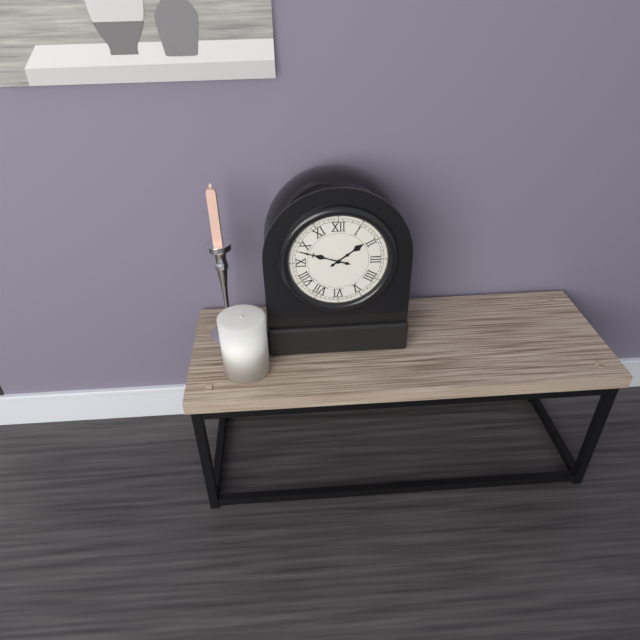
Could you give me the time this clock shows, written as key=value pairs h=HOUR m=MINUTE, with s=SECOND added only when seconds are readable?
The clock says h=1 m=48
